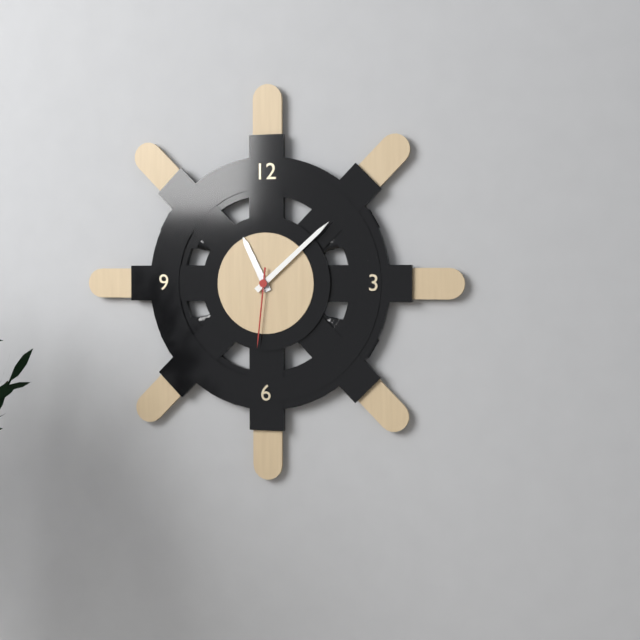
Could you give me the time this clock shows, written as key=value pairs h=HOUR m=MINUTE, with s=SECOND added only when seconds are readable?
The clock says h=11 m=8 s=31
